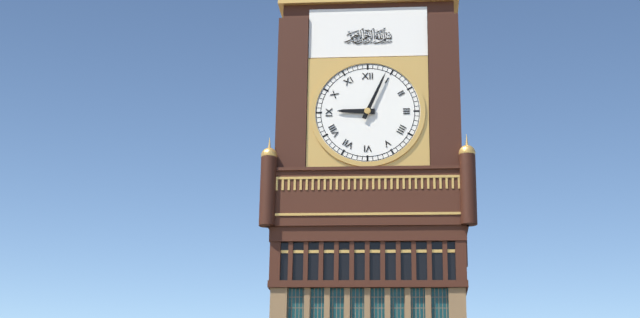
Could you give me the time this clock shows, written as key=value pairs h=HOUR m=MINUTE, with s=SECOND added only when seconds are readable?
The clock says h=9 m=4
